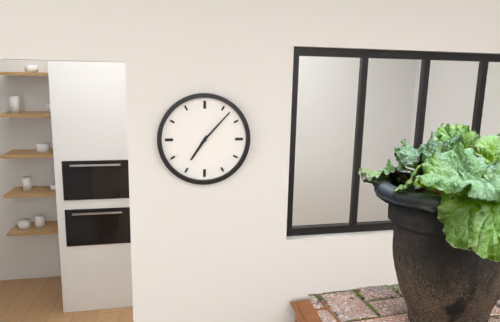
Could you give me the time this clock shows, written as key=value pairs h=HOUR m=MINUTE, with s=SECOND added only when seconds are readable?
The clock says h=7 m=7
